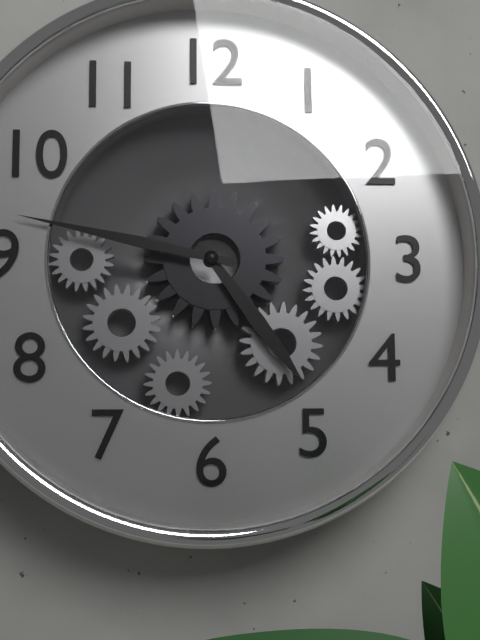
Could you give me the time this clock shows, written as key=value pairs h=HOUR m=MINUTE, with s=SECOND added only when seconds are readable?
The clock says h=4 m=47
